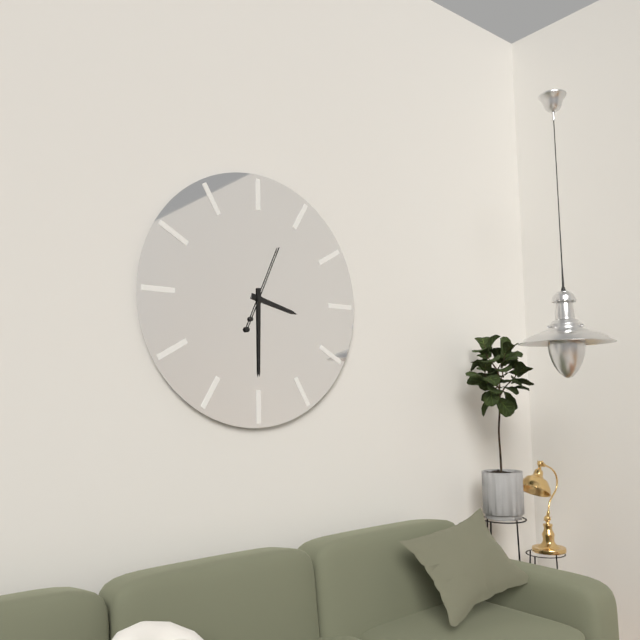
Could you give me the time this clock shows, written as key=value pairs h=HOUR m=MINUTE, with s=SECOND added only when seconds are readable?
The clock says h=3 m=30 s=4
